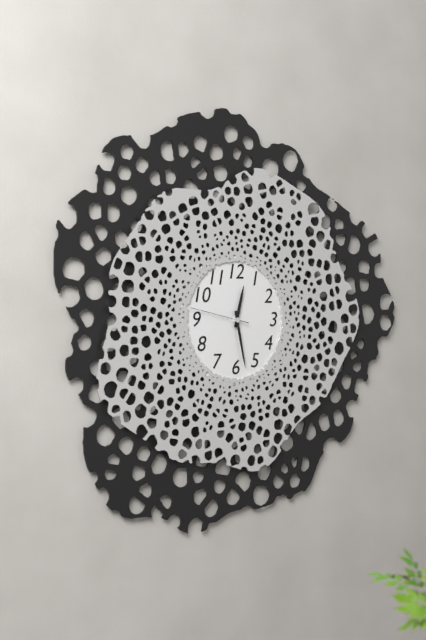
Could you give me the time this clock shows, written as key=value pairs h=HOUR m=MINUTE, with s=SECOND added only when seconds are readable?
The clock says h=12 m=28 s=47
